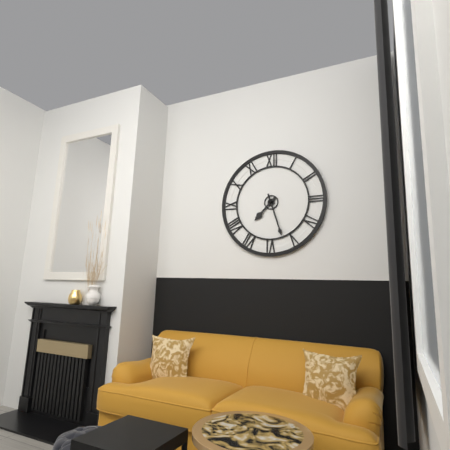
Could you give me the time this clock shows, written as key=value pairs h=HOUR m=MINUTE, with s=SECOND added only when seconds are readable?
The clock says h=7 m=27
